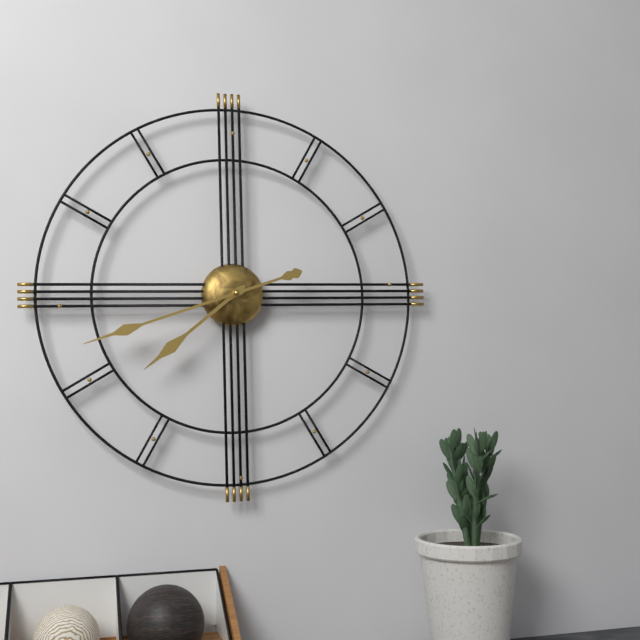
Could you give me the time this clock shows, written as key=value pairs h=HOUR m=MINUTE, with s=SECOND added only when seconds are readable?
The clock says h=7 m=42
